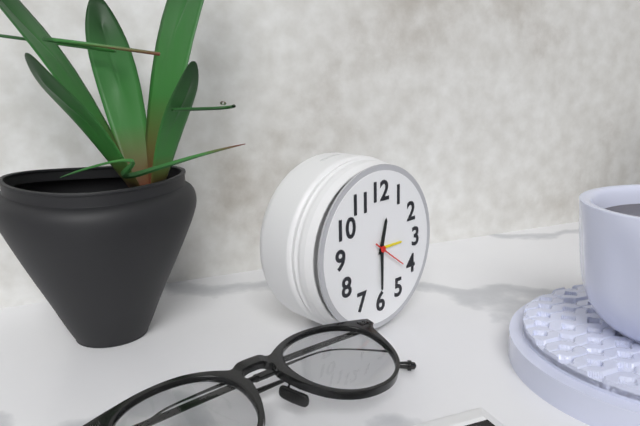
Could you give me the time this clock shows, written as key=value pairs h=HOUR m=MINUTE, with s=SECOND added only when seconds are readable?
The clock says h=12 m=30
